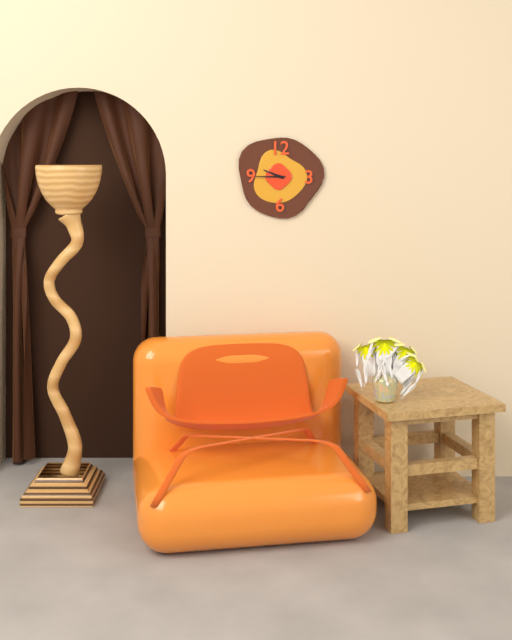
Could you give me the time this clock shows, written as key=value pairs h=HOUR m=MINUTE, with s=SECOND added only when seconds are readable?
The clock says h=9 m=45
